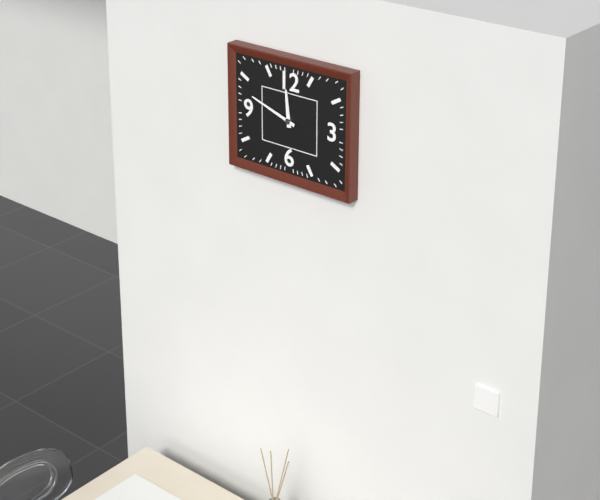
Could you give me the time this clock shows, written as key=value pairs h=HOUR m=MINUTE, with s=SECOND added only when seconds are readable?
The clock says h=11 m=48
